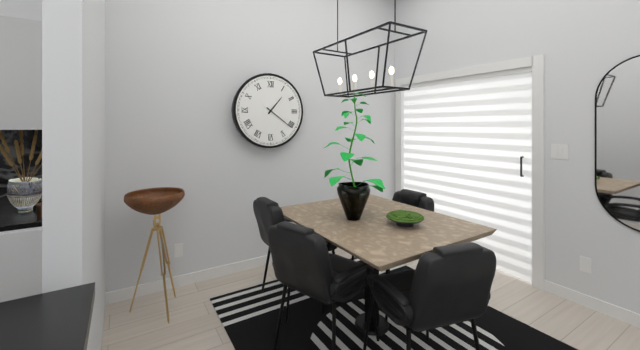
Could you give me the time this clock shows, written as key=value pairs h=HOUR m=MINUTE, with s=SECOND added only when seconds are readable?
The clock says h=1 m=21
